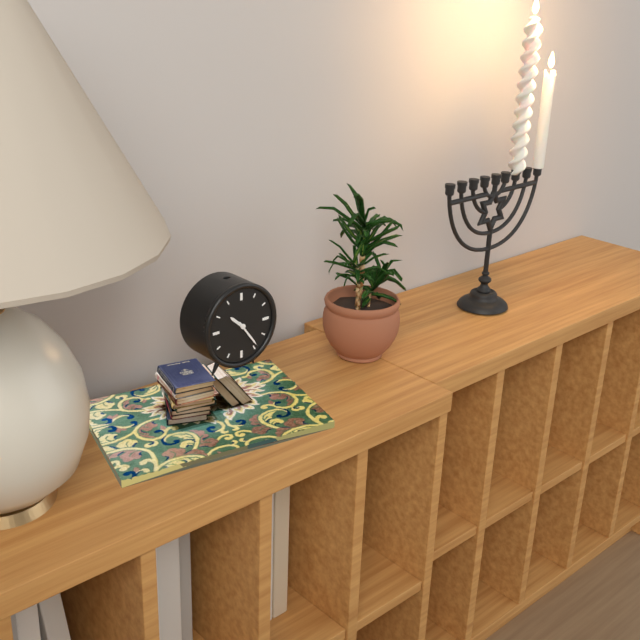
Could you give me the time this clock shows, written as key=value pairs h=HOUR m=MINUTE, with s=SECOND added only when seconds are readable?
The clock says h=10 m=24
